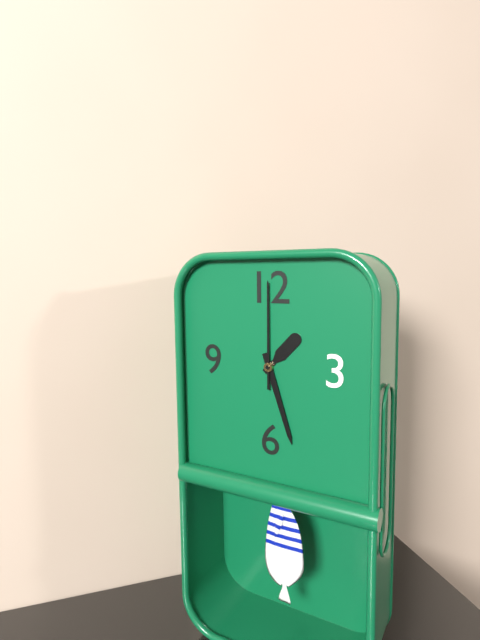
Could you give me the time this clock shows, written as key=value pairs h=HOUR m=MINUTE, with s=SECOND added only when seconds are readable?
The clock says h=1 m=27 s=0
